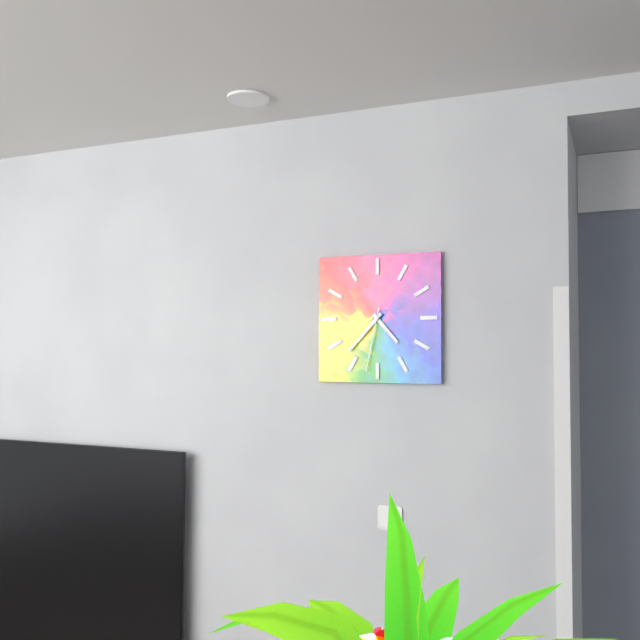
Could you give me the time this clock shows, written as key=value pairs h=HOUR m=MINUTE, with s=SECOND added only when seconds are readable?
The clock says h=4 m=37 s=32
